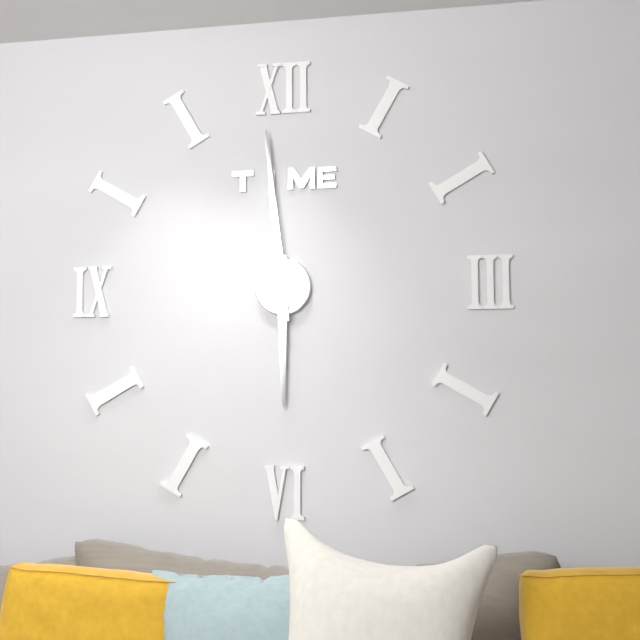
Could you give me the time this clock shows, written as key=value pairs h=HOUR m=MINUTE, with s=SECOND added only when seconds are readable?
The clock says h=5 m=59
